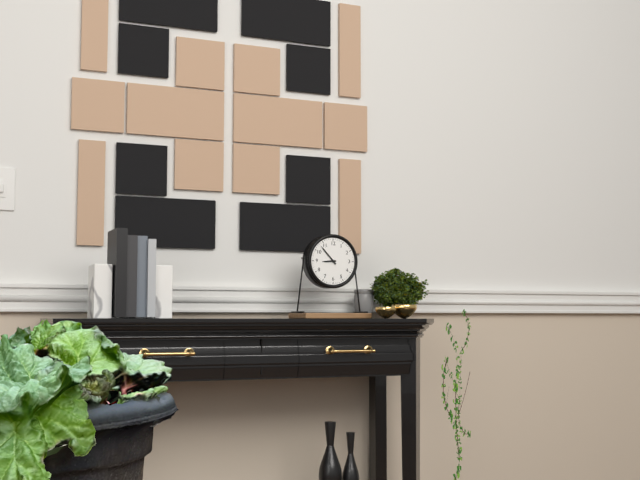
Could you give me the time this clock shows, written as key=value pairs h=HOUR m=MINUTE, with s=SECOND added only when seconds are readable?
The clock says h=8 m=53
